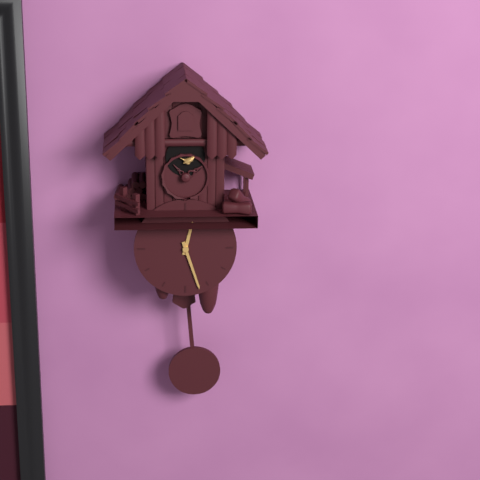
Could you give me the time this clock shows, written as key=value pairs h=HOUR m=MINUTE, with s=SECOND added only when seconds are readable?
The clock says h=12 m=27
